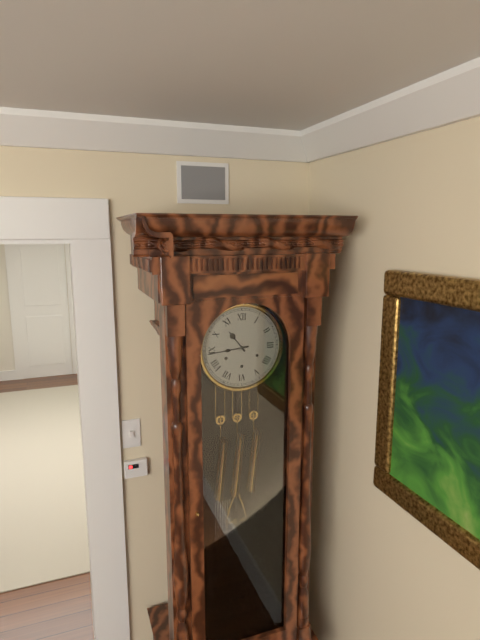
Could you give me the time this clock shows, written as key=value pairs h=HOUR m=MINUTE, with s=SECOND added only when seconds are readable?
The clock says h=10 m=44
